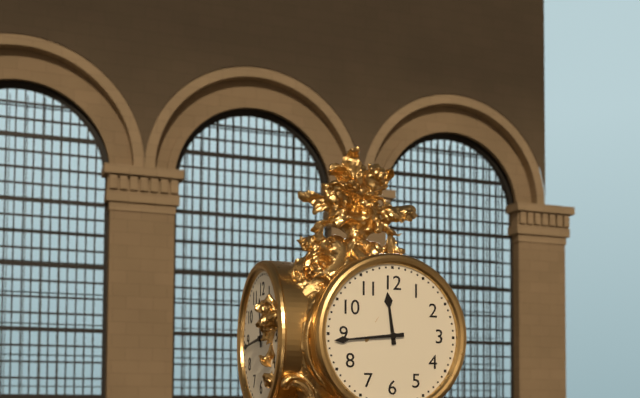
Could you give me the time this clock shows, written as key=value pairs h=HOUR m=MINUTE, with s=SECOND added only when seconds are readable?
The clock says h=11 m=44
